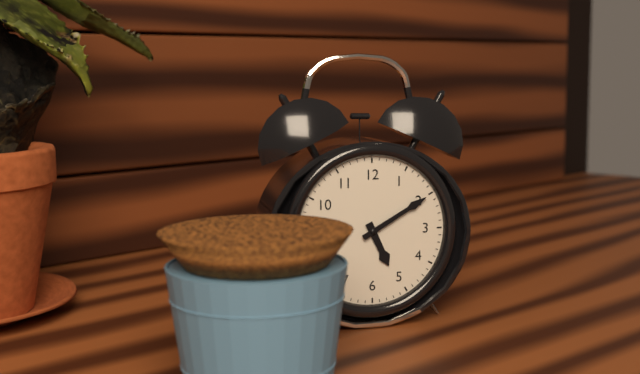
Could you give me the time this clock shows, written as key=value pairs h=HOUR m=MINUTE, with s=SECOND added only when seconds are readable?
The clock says h=5 m=10
